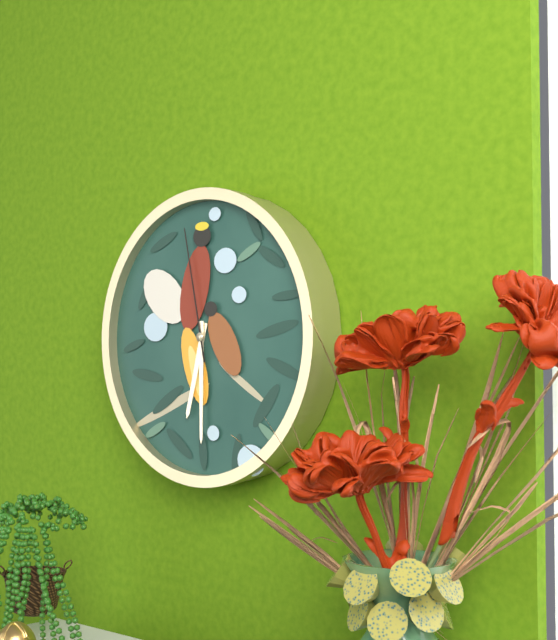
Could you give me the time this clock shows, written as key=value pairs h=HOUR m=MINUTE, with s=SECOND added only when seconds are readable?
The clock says h=6 m=30 s=58
